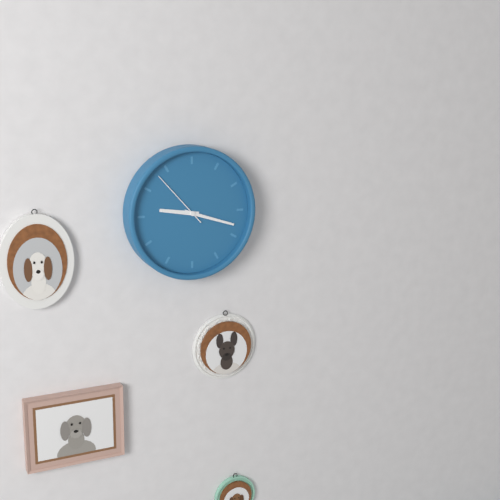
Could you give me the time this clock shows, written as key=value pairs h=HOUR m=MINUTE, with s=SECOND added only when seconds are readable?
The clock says h=9 m=18 s=53
